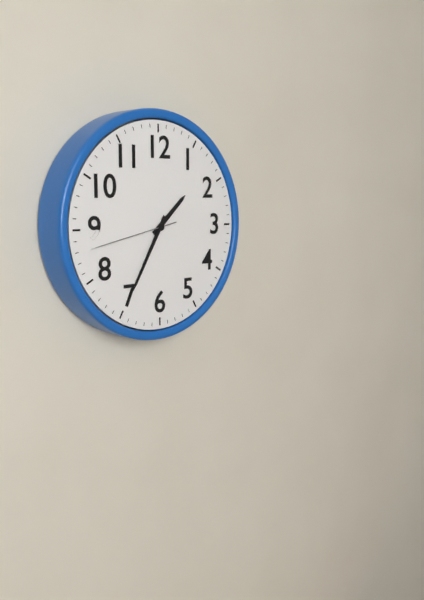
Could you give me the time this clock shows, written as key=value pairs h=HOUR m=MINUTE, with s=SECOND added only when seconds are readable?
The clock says h=1 m=35 s=43
